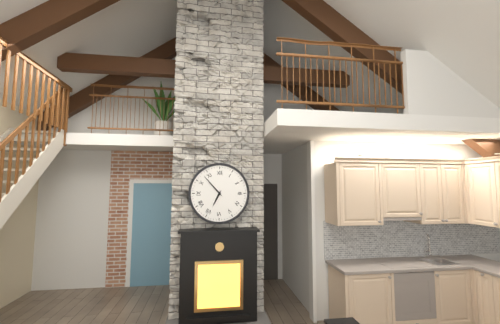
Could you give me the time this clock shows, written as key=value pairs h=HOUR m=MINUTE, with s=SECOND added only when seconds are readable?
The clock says h=6 m=53
